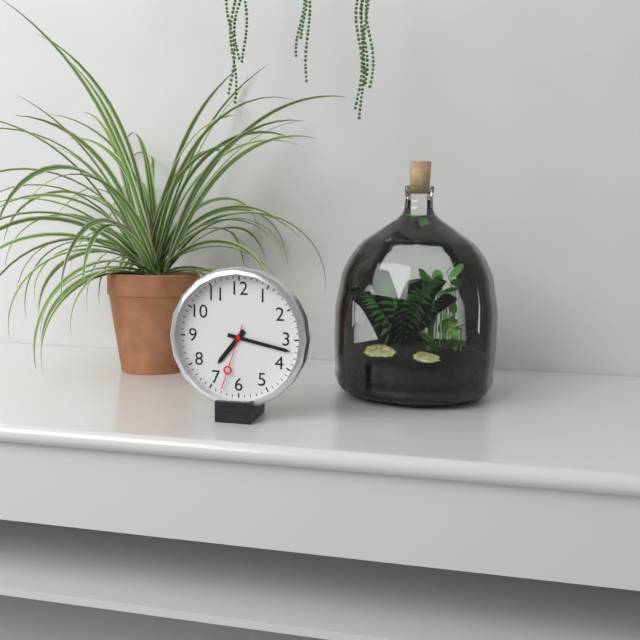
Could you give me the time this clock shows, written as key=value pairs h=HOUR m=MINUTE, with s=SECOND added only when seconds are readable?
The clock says h=7 m=17 s=33
